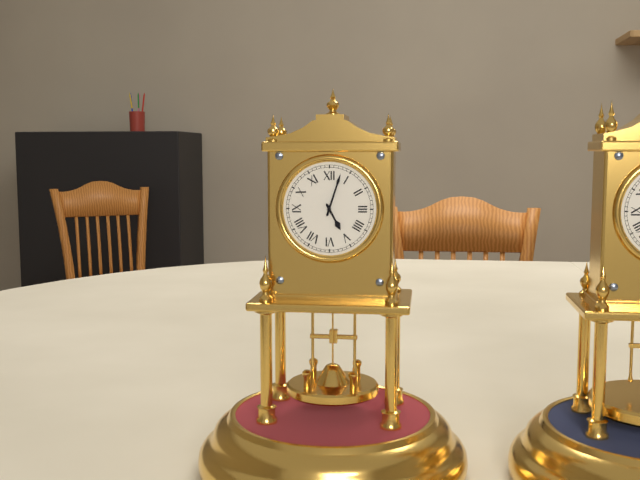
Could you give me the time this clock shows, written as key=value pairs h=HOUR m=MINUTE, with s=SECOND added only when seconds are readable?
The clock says h=5 m=3
